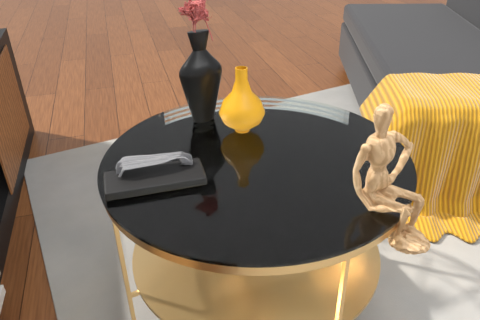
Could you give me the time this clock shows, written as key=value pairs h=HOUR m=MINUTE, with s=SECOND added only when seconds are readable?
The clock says h=7 m=35
